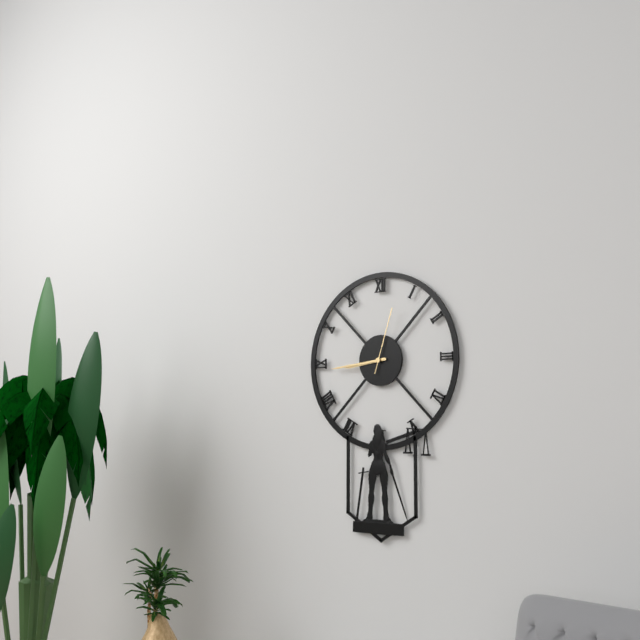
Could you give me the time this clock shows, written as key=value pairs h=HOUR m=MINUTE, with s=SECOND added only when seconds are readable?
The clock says h=8 m=44 s=3
